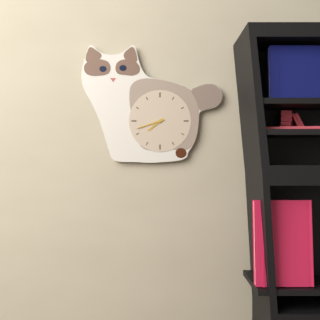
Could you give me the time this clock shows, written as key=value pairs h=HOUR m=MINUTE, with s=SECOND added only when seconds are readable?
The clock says h=7 m=42
